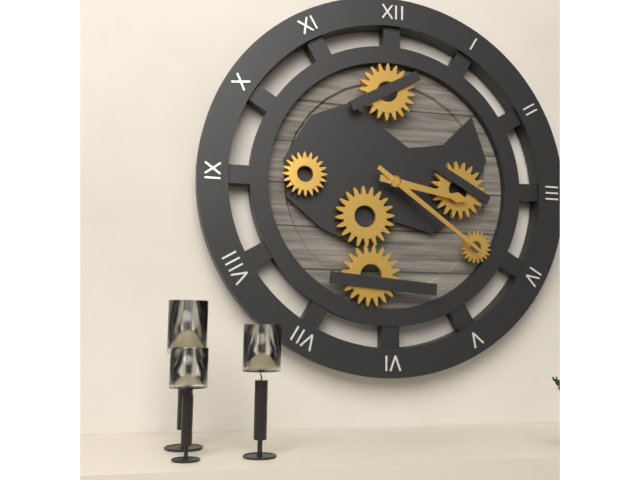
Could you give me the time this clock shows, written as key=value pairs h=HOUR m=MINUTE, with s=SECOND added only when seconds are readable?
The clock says h=3 m=21
